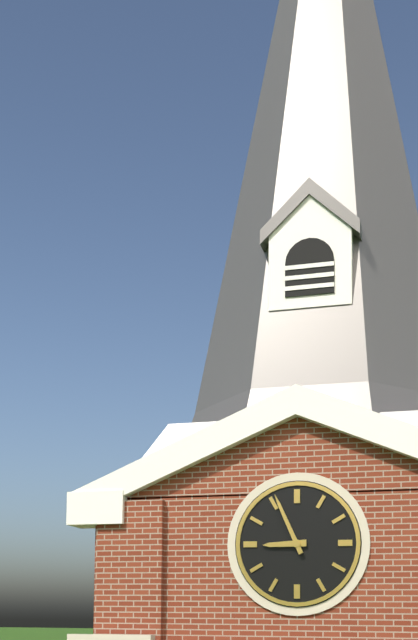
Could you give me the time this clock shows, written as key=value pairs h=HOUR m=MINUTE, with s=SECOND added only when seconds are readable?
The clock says h=8 m=56
